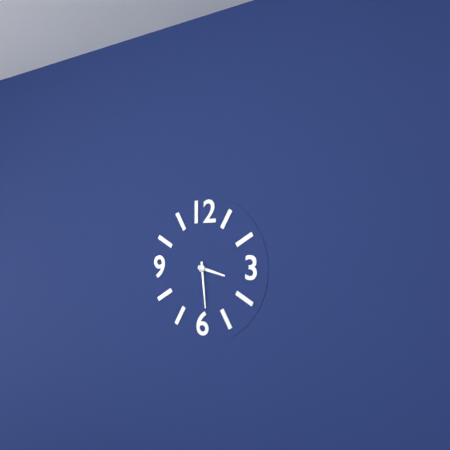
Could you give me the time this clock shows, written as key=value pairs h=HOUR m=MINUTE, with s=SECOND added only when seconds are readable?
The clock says h=3 m=29
